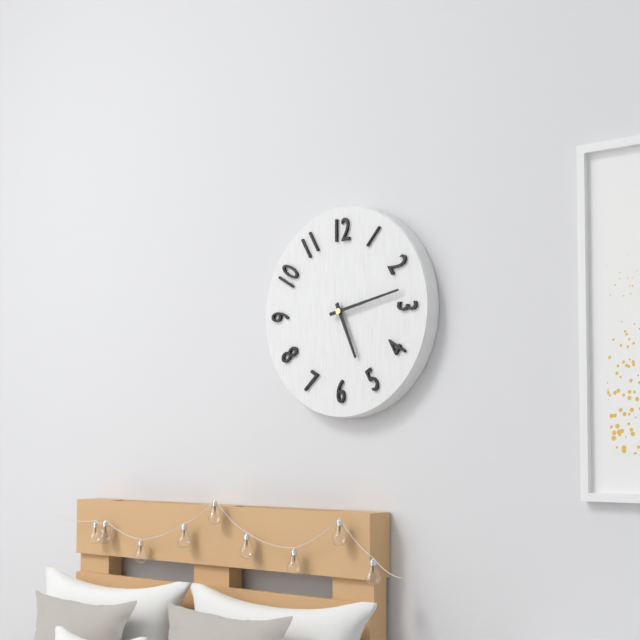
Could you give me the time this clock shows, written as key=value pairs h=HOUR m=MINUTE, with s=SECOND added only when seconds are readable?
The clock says h=5 m=13
